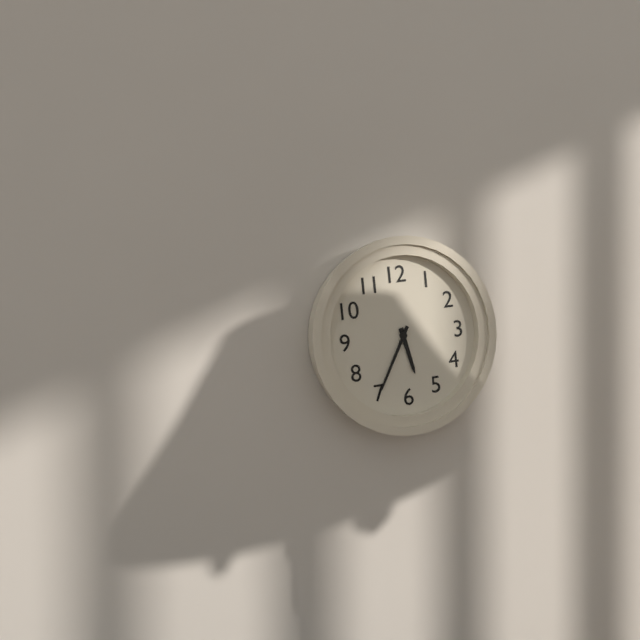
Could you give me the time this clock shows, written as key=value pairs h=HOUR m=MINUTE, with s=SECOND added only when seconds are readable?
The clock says h=5 m=35
